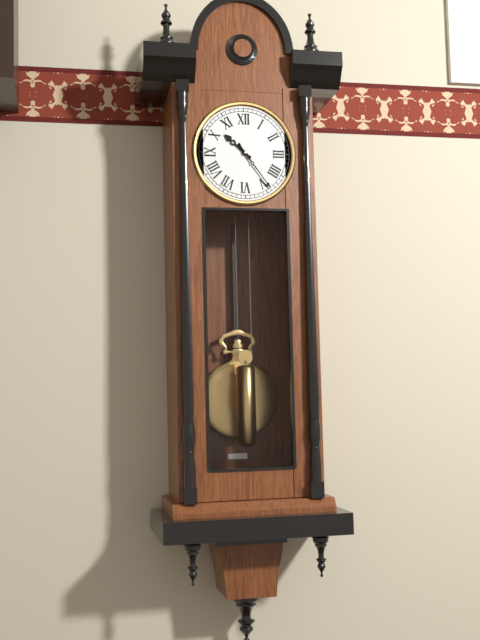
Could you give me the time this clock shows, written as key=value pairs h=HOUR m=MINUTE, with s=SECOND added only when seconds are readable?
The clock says h=10 m=24
